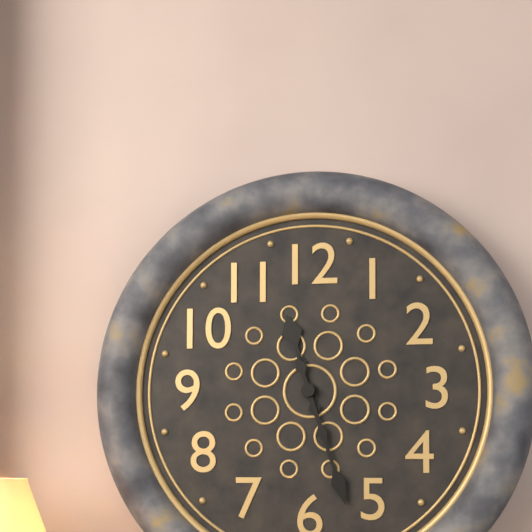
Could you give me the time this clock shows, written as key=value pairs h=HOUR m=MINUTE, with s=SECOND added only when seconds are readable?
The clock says h=11 m=27
